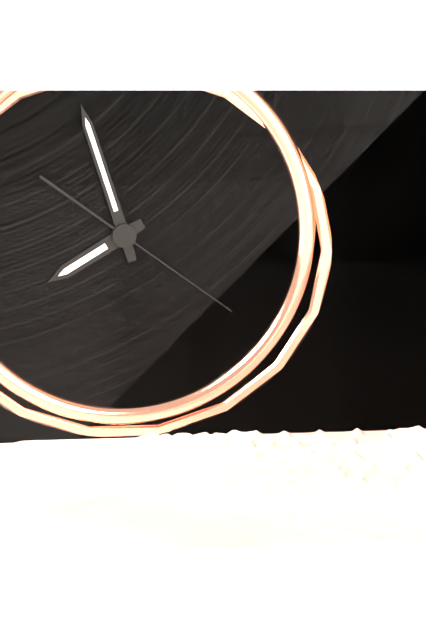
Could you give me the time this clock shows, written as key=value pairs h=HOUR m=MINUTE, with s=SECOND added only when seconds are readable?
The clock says h=7 m=57 s=21
